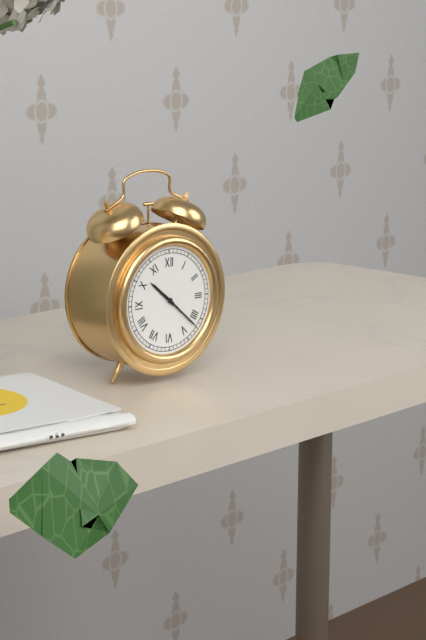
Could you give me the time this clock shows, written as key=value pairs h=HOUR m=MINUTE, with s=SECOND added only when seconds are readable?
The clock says h=10 m=22
